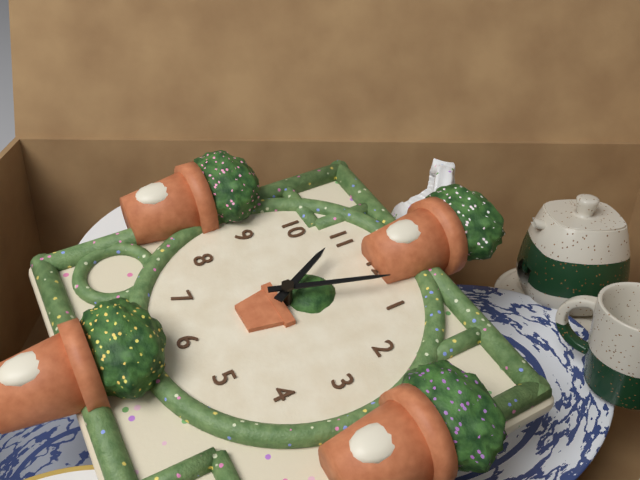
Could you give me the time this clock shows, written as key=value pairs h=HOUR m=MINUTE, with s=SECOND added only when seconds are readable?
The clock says h=11 m=3
